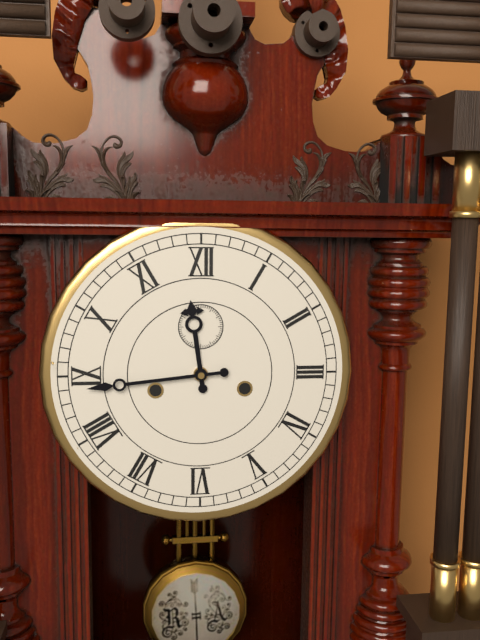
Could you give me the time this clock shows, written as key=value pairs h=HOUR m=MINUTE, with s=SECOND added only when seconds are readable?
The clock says h=11 m=44
